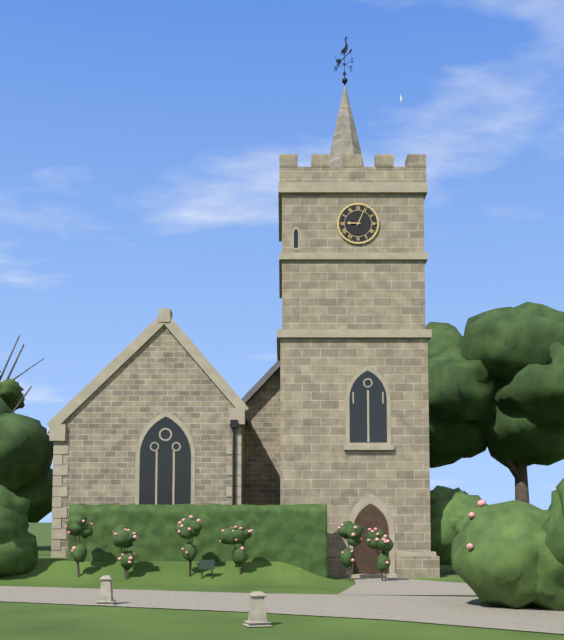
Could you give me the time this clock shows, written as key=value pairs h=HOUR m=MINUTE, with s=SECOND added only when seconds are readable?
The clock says h=9 m=4
